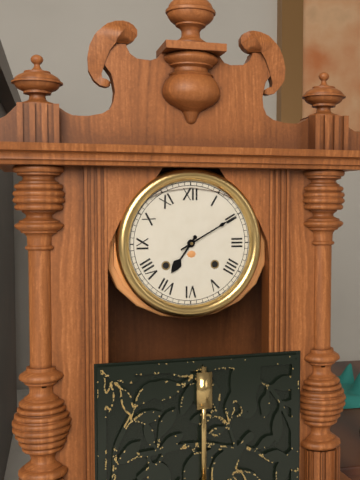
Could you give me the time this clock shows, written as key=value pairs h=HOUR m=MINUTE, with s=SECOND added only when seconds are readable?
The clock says h=7 m=10
